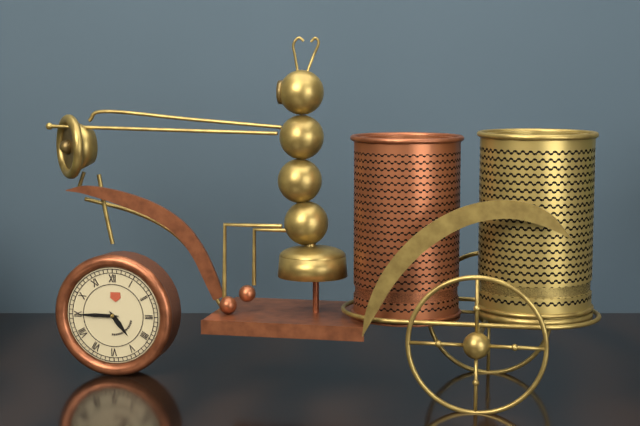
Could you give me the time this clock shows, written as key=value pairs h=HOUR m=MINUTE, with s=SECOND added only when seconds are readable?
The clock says h=4 m=45
